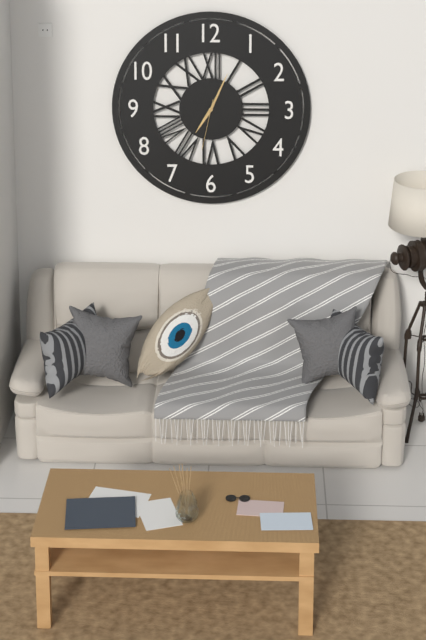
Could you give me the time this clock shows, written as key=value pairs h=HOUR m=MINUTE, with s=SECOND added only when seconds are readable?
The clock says h=7 m=4 s=32
